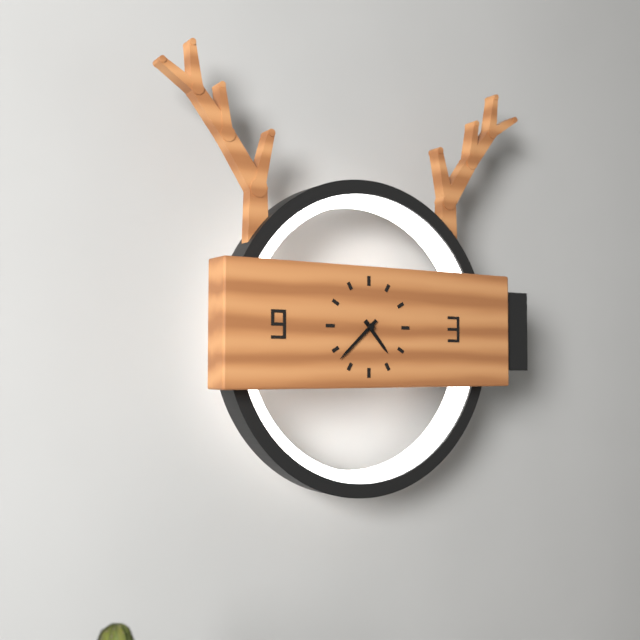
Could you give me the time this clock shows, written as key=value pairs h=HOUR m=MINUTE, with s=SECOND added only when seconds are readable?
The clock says h=4 m=38
